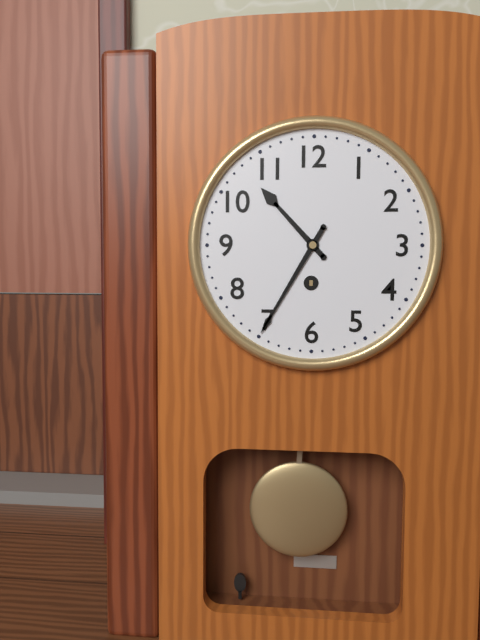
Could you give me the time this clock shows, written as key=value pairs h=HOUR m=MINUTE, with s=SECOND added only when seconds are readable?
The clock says h=10 m=35
